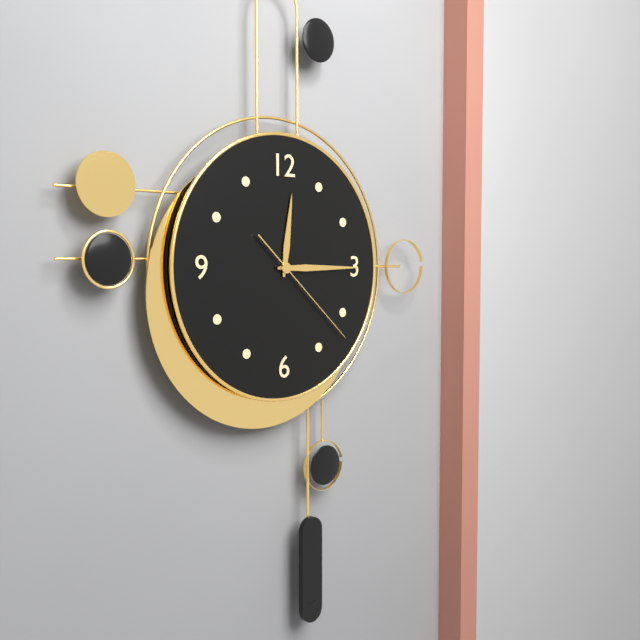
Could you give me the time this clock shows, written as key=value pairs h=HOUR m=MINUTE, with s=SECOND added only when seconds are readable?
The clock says h=12 m=15 s=22
